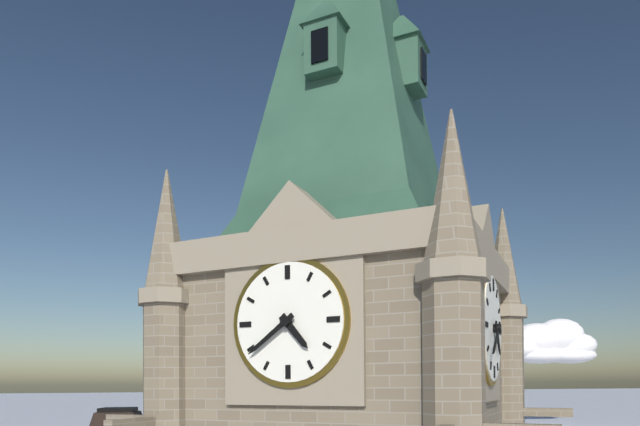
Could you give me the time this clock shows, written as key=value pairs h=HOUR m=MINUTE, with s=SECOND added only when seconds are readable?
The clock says h=4 m=39
